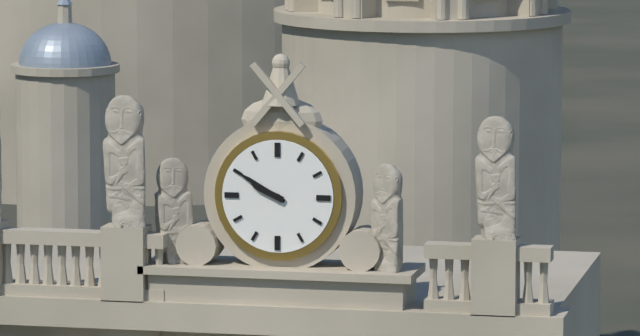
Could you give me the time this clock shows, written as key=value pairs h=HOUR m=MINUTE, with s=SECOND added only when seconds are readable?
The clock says h=9 m=50
